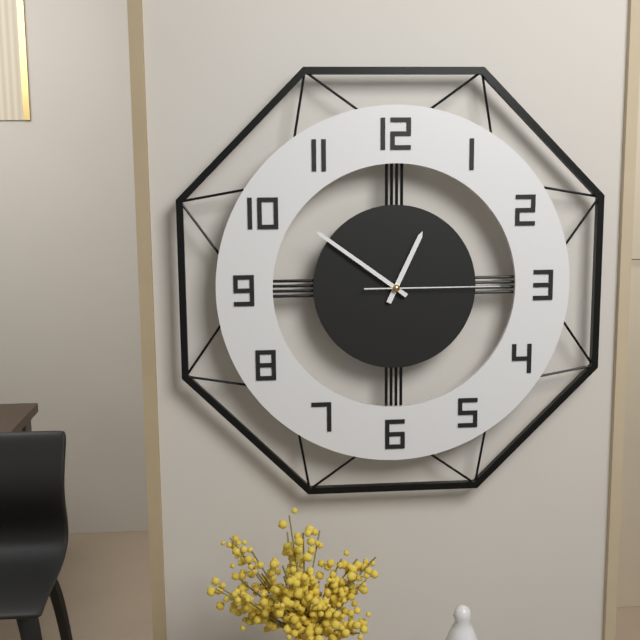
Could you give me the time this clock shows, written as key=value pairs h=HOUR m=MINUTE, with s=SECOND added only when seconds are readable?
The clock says h=12 m=51 s=15
